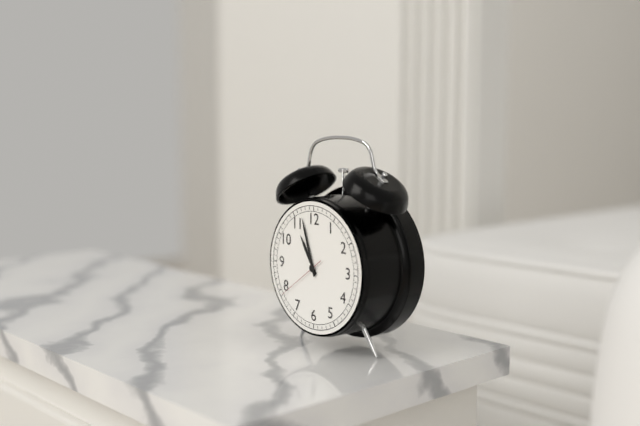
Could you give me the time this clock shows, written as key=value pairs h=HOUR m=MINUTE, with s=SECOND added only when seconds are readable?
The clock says h=10 m=57 s=39
